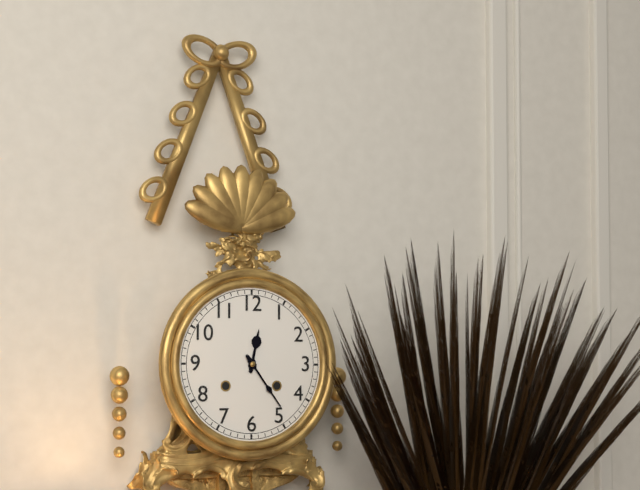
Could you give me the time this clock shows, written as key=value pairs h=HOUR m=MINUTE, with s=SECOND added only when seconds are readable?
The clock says h=12 m=24
